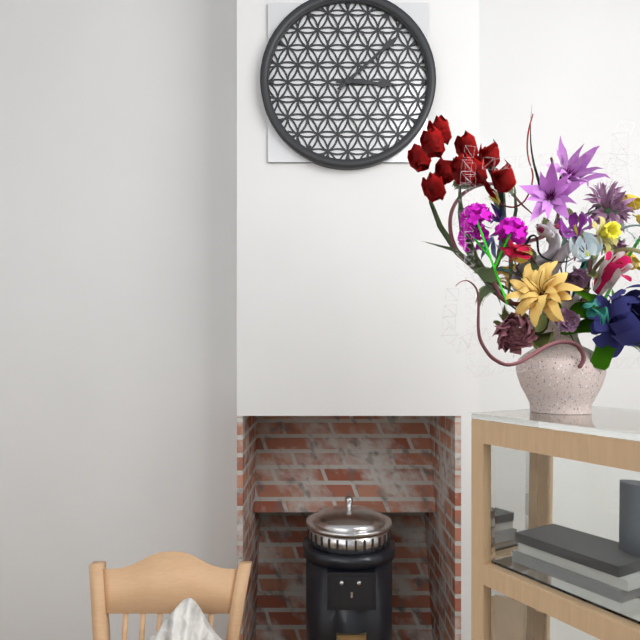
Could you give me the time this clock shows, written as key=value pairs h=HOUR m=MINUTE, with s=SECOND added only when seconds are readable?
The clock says h=3 m=8
